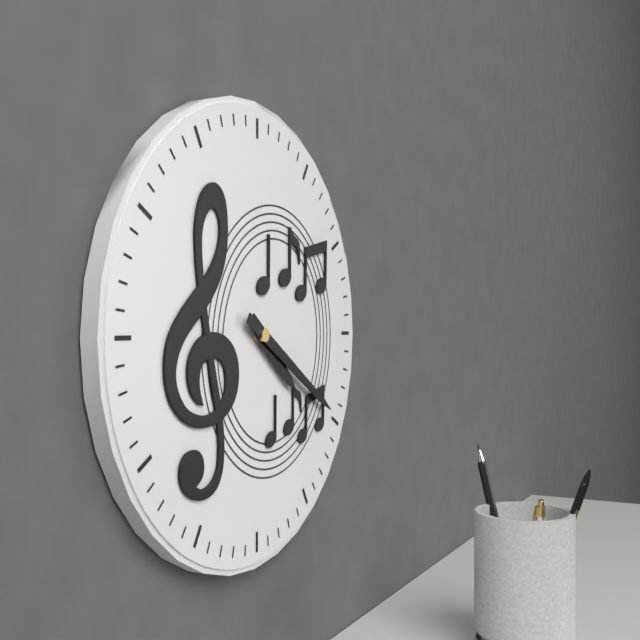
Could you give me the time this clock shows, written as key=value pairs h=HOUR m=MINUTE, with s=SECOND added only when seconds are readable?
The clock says h=4 m=20
